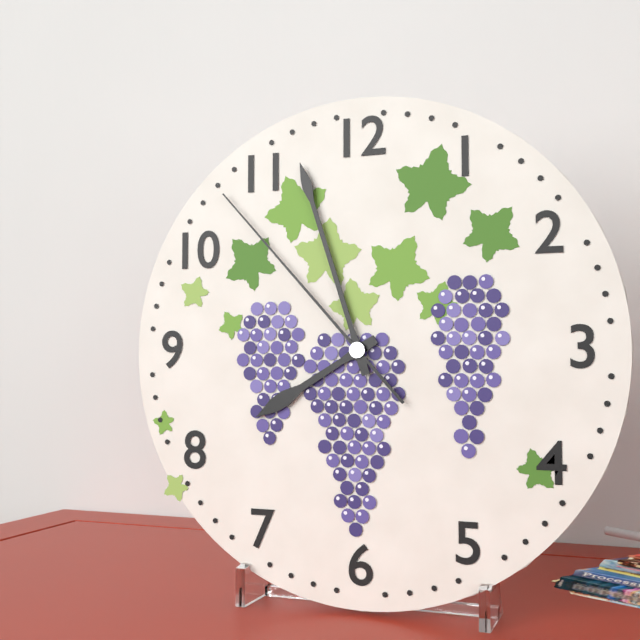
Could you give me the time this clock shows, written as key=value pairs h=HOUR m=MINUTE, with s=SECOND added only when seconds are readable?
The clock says h=7 m=57 s=53
